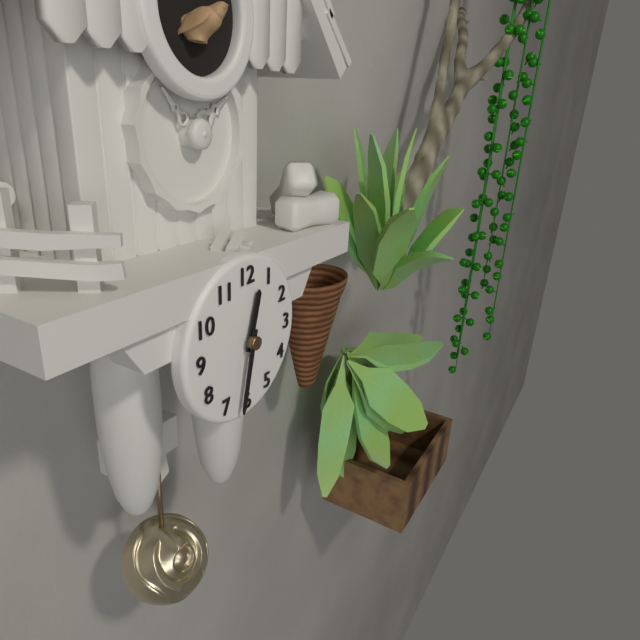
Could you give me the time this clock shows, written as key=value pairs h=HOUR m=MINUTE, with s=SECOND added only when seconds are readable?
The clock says h=12 m=32
